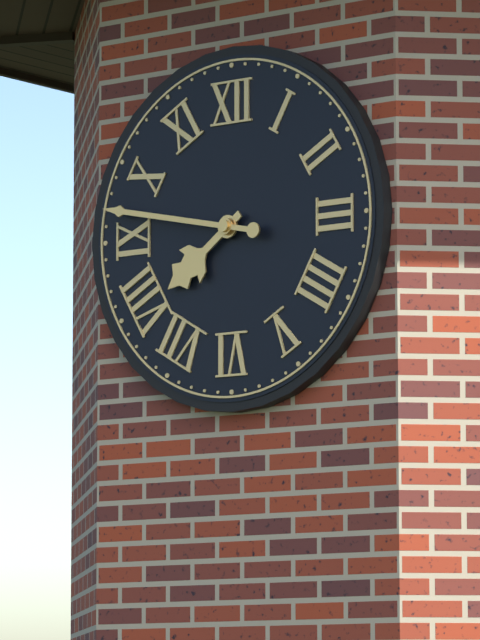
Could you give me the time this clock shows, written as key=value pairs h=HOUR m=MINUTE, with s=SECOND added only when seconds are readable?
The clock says h=7 m=47
